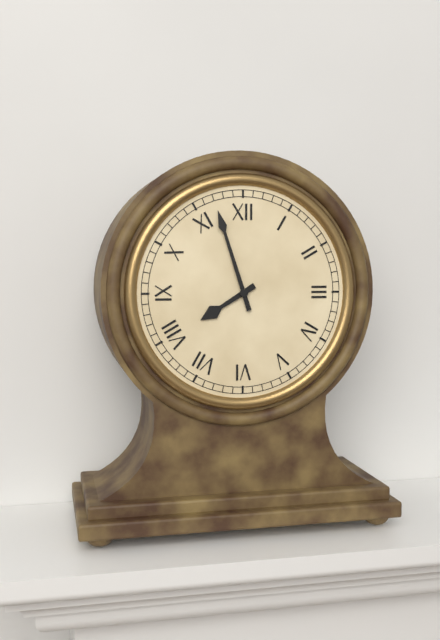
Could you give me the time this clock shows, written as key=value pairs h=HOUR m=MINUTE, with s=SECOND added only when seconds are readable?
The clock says h=7 m=57
